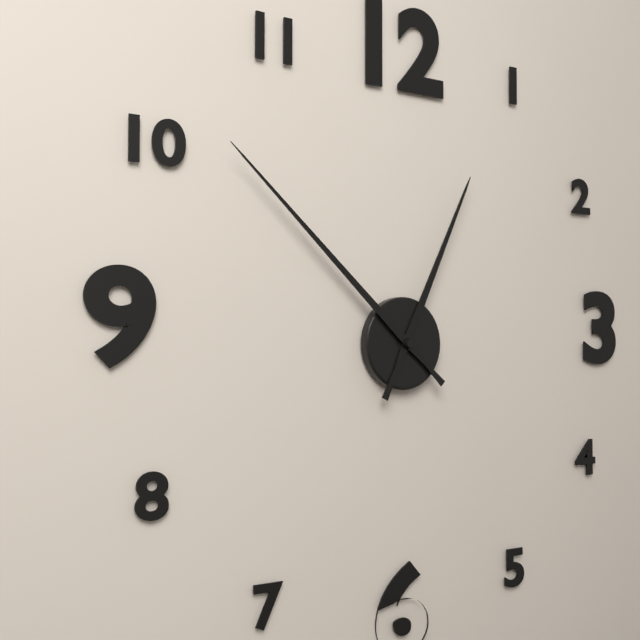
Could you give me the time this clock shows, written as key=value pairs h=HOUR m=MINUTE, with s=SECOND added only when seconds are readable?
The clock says h=12 m=52
